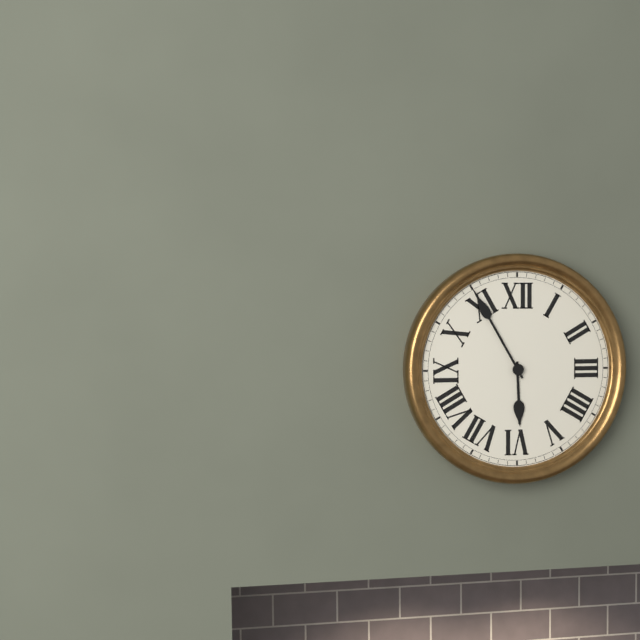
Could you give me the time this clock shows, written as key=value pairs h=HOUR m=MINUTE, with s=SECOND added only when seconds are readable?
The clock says h=5 m=55
